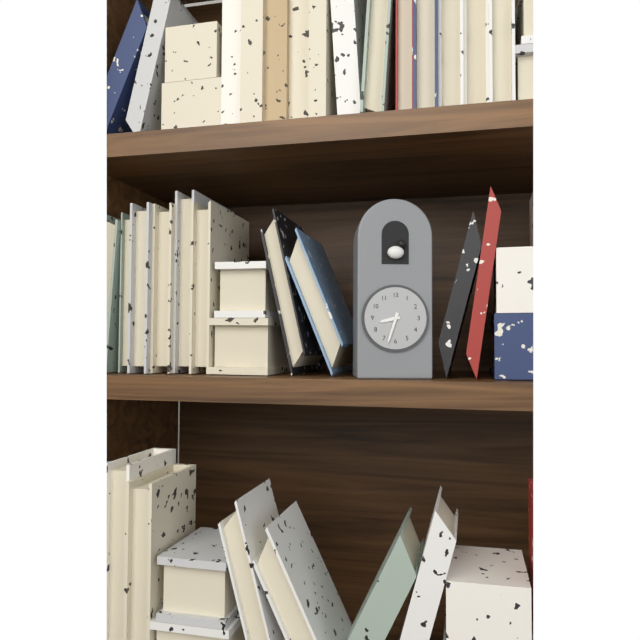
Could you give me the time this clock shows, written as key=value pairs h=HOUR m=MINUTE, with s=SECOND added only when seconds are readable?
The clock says h=8 m=33
